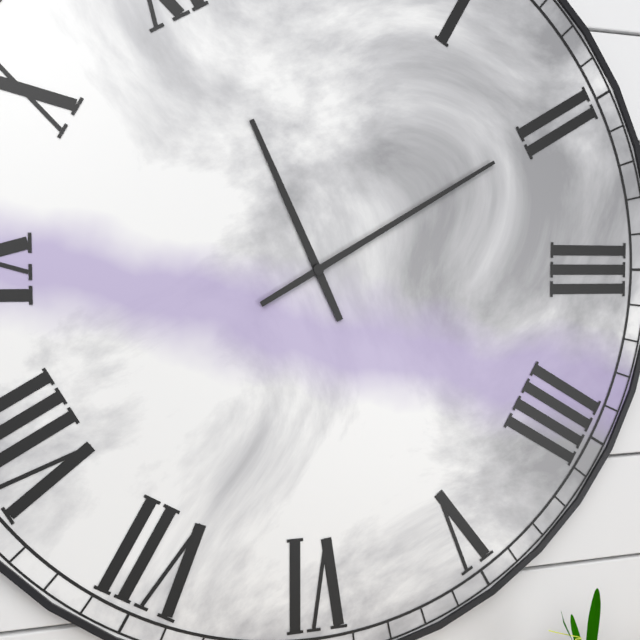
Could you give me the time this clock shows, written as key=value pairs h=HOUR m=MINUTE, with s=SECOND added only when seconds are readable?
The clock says h=11 m=10
